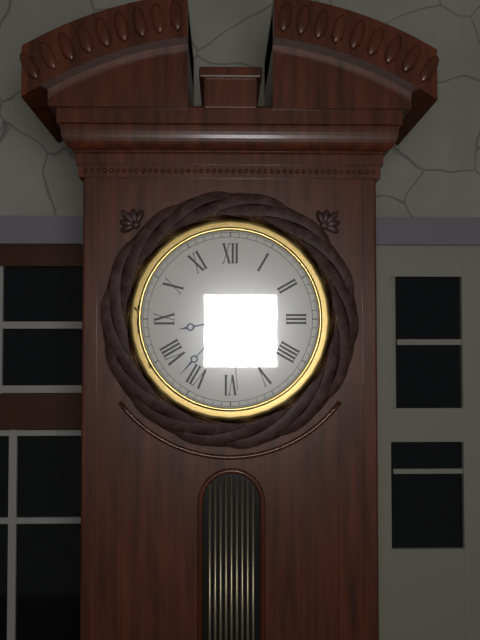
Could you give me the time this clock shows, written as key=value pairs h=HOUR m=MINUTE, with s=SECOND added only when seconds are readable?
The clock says h=8 m=37 s=29
